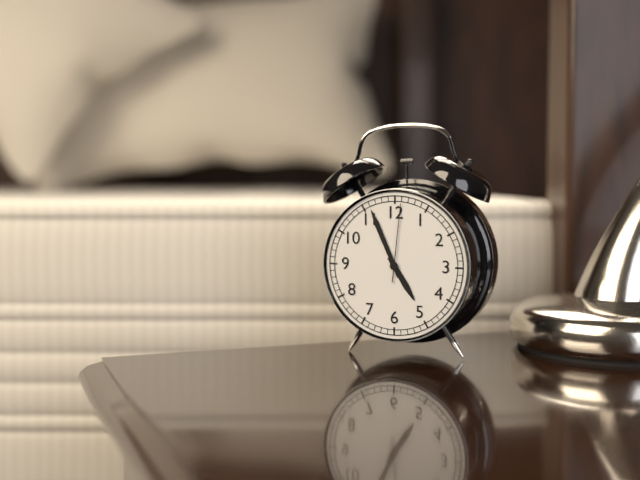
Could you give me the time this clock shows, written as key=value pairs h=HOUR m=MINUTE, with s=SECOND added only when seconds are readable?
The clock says h=4 m=56 s=1
